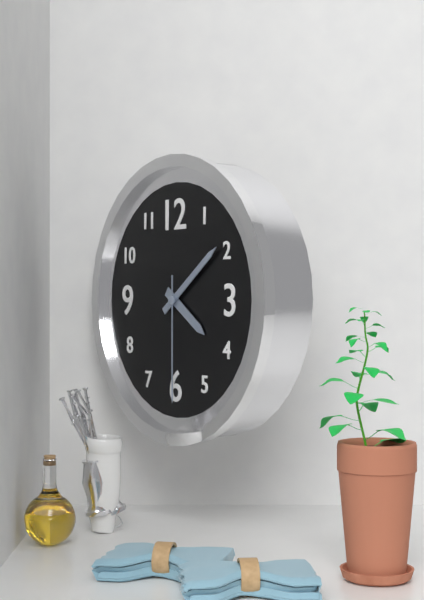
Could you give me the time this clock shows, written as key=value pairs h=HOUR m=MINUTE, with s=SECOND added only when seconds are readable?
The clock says h=4 m=9 s=30
